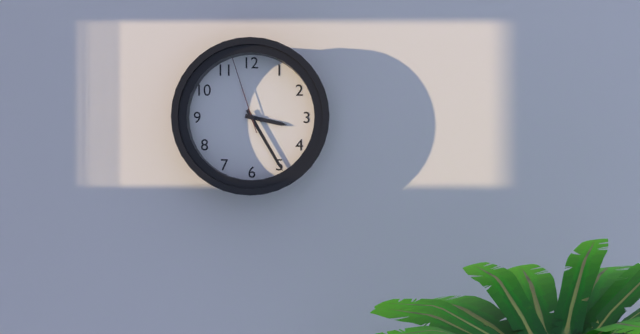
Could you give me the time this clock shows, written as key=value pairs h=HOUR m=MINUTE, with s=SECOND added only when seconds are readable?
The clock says h=3 m=25 s=57
